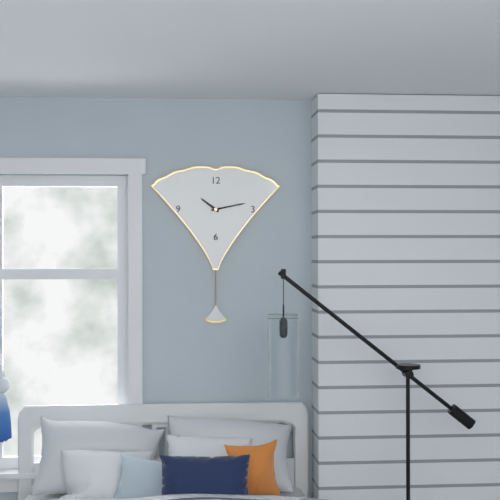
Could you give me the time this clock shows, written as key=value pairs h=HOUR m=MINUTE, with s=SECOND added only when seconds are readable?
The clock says h=10 m=13
